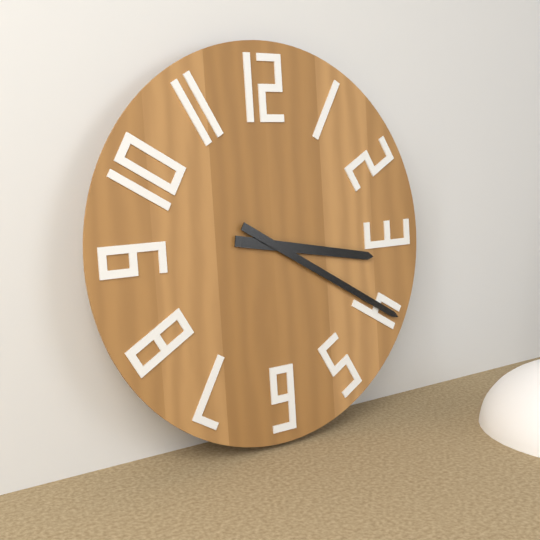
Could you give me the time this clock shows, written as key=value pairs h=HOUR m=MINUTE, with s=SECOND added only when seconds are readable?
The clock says h=3 m=20
